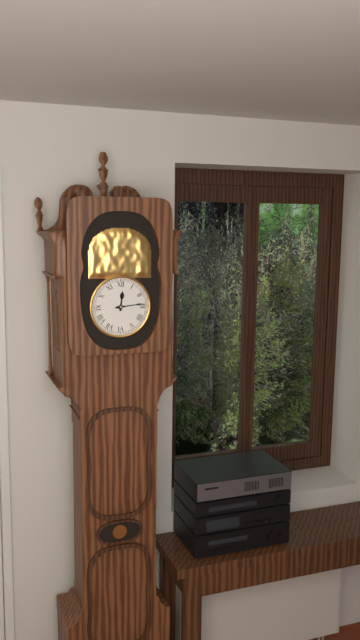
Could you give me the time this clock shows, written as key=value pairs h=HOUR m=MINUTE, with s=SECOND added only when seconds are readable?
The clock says h=12 m=14
